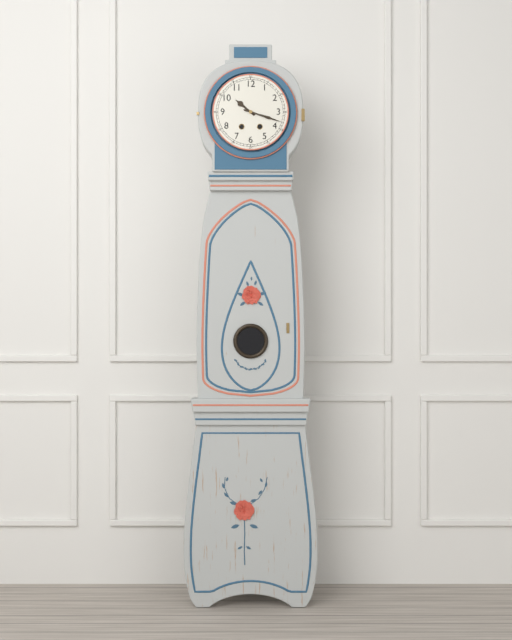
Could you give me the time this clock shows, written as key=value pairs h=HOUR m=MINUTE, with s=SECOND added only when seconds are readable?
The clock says h=10 m=18
